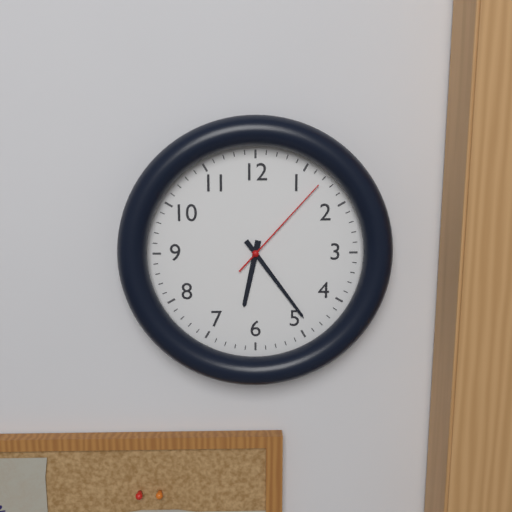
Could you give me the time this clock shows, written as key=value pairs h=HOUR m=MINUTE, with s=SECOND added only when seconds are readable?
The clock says h=6 m=24 s=7
